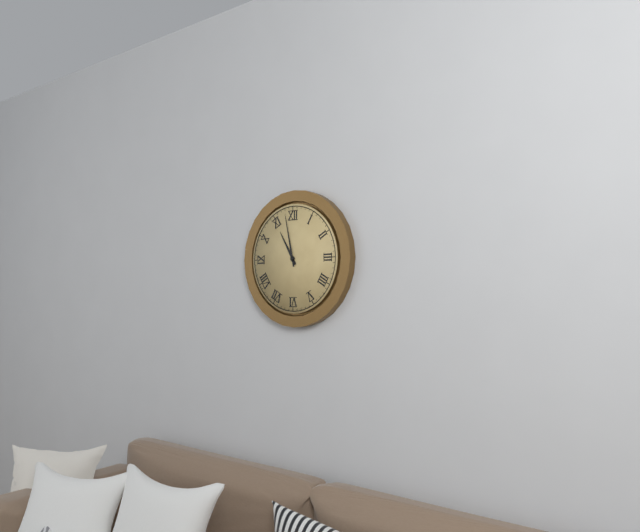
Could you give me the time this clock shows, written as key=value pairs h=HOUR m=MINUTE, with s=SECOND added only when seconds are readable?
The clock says h=10 m=58
